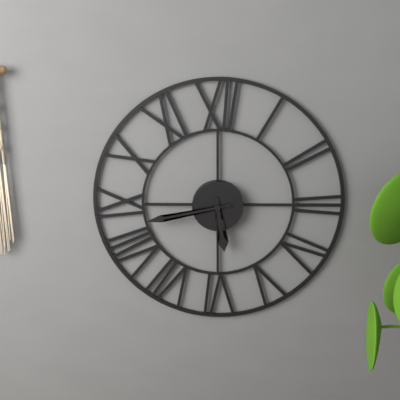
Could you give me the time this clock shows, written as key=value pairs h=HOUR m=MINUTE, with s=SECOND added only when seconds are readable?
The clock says h=5 m=43
